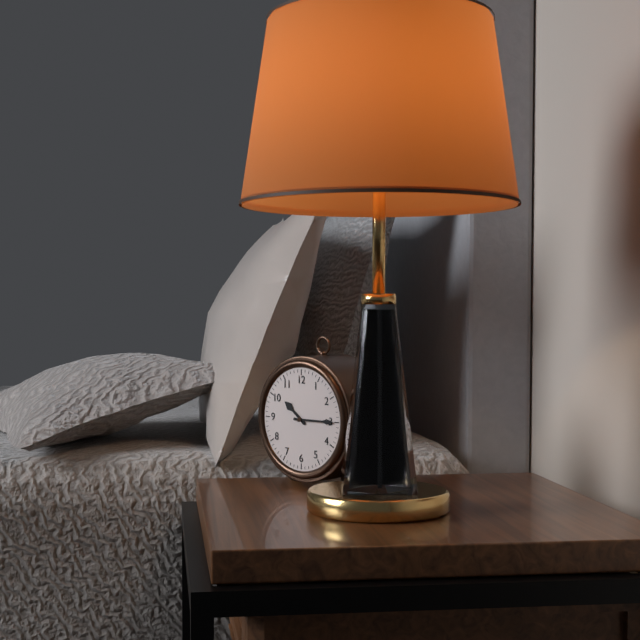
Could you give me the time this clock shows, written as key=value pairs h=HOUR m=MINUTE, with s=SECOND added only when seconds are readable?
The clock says h=10 m=15
